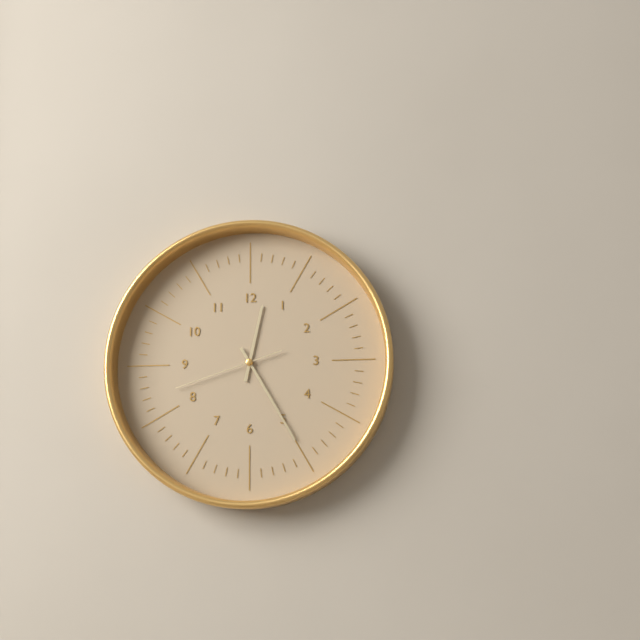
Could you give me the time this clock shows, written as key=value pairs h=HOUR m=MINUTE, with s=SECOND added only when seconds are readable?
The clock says h=12 m=25 s=42
